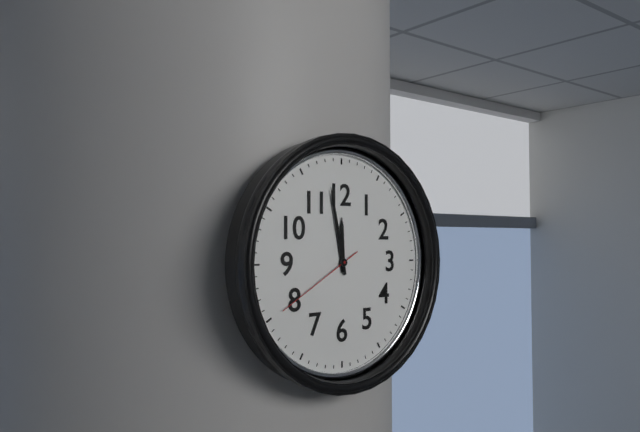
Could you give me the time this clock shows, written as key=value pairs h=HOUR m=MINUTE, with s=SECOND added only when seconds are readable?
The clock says h=11 m=58 s=40
